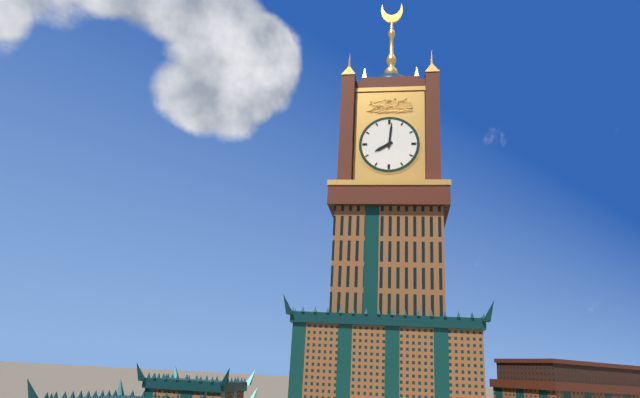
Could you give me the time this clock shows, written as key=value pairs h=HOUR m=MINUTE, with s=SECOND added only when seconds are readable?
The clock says h=8 m=1
